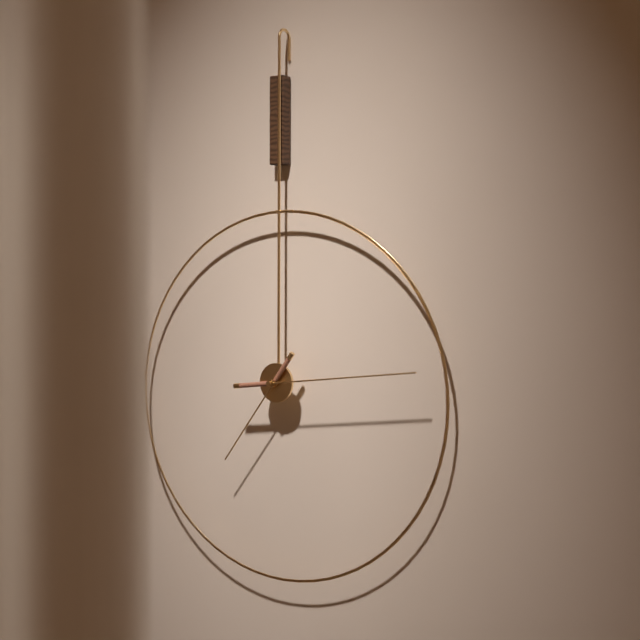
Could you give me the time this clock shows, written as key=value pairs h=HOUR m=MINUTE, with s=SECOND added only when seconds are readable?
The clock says h=7 m=14
